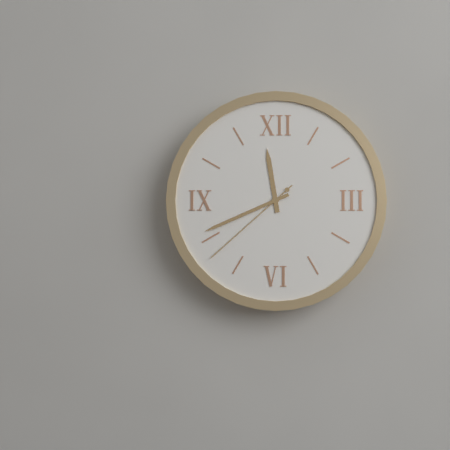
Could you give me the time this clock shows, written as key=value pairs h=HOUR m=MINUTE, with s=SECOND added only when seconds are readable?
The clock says h=11 m=41 s=38
